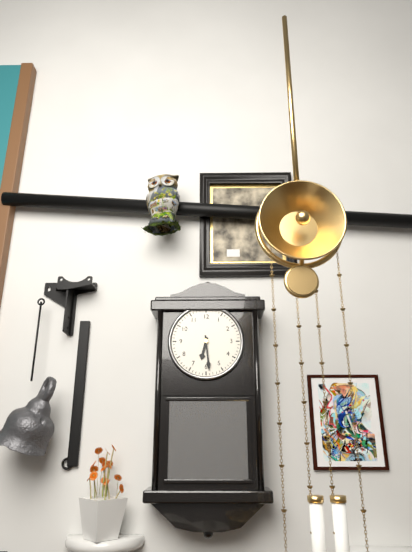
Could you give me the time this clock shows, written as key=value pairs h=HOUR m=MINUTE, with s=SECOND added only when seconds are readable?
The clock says h=6 m=29
